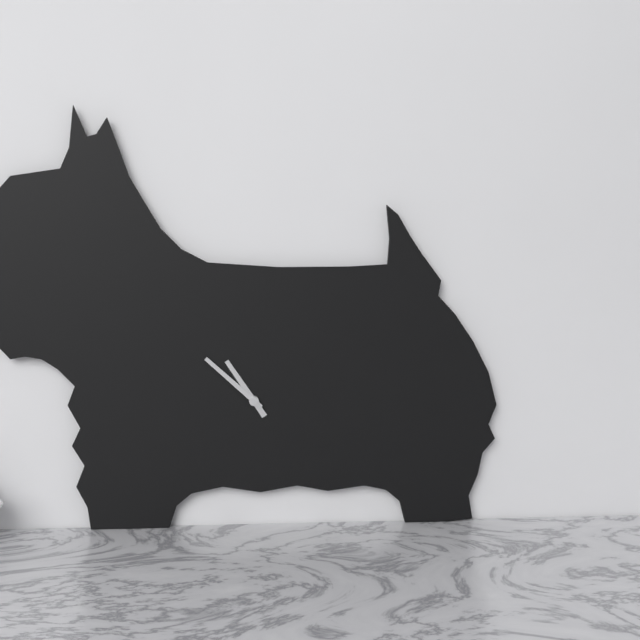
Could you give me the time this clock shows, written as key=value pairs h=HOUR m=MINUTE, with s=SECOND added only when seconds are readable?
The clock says h=10 m=52
